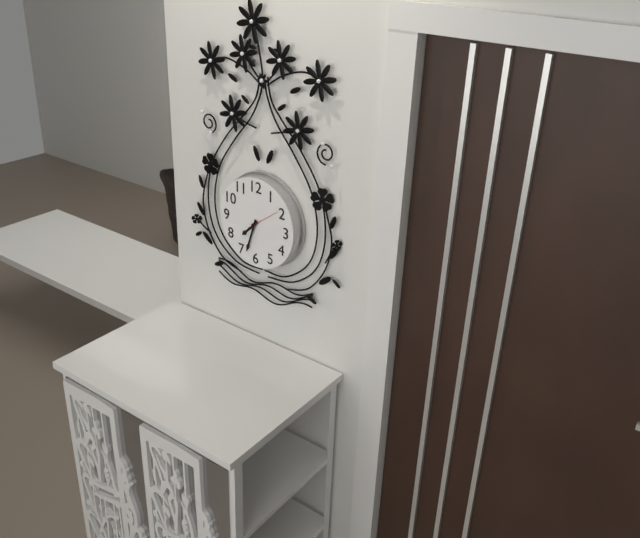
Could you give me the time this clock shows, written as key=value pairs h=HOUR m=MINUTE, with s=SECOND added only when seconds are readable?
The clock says h=7 m=33
